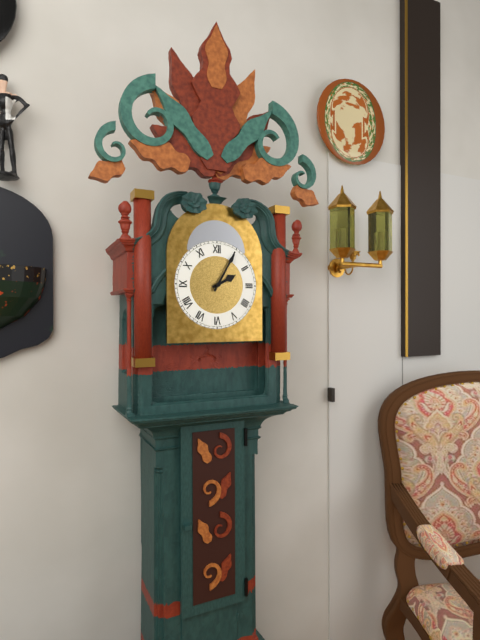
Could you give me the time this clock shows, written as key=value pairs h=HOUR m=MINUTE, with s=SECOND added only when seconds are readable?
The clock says h=2 m=5
